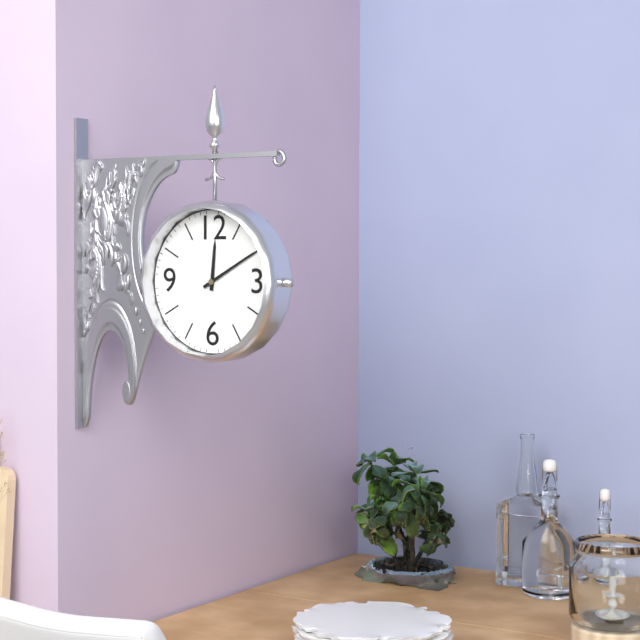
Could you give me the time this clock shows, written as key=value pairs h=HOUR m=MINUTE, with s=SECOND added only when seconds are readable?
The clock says h=12 m=10
